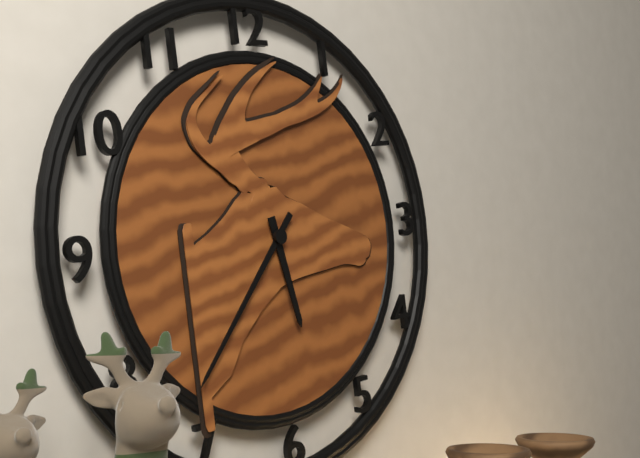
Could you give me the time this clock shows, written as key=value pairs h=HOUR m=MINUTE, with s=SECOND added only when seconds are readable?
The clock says h=5 m=37
